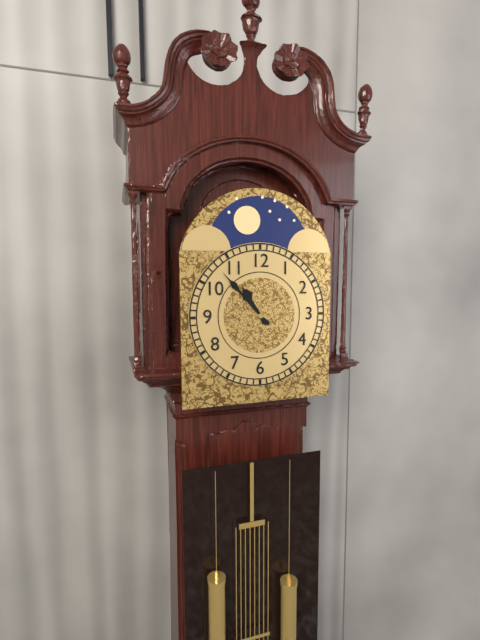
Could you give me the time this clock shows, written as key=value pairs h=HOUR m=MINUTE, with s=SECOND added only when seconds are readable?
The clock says h=10 m=53
